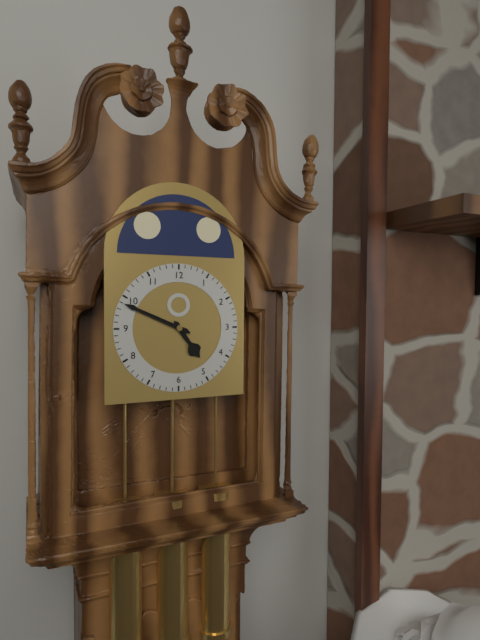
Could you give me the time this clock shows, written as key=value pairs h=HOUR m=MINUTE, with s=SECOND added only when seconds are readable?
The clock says h=4 m=49
